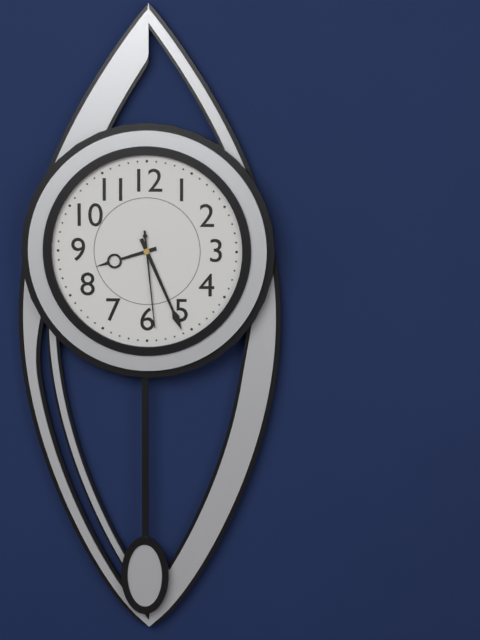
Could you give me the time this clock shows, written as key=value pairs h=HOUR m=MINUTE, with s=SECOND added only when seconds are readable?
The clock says h=8 m=26 s=29
